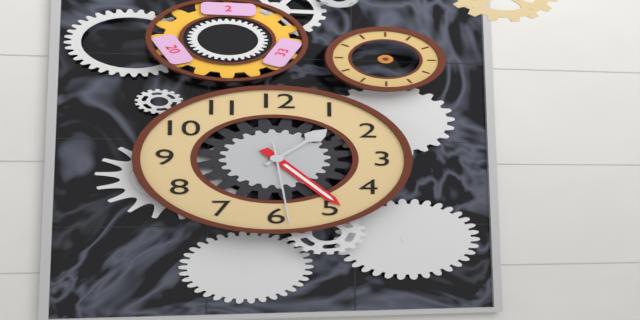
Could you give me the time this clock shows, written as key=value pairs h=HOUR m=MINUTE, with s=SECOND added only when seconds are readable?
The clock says h=1 m=24 s=29
